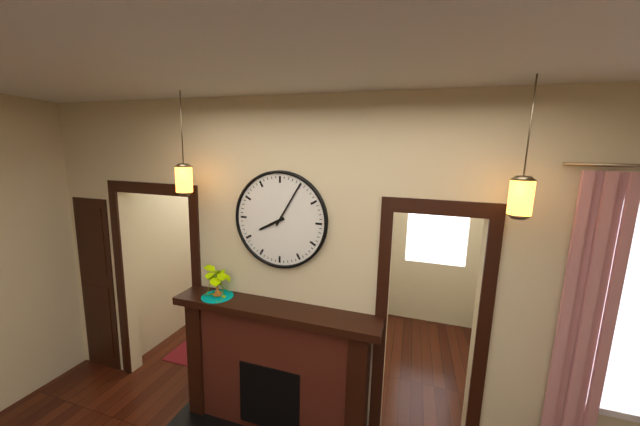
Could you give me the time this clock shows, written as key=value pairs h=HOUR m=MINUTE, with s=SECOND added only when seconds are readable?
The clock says h=8 m=5
